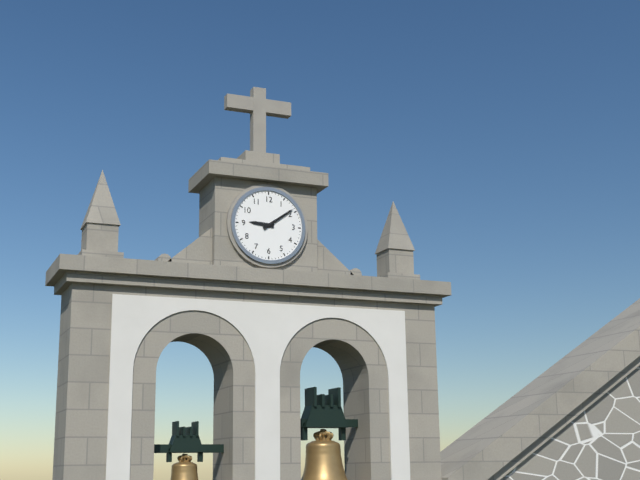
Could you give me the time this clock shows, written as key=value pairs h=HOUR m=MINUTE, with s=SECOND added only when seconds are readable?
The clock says h=9 m=9
